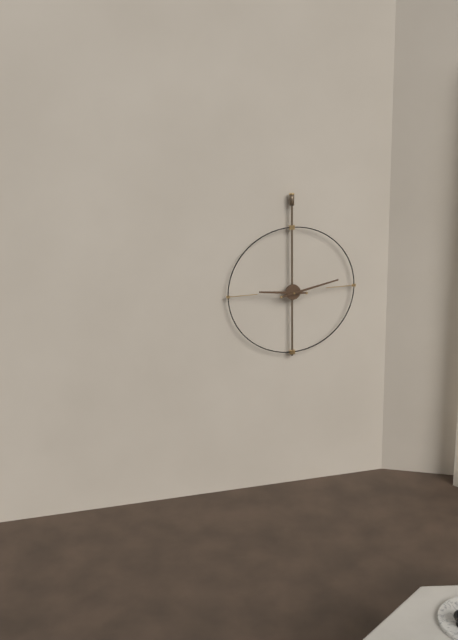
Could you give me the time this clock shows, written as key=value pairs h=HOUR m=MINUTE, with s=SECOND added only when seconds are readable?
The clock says h=9 m=13
